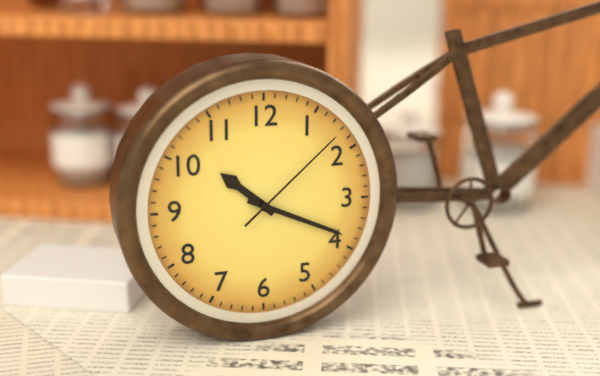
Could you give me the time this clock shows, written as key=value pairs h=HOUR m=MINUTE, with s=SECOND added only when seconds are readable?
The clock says h=10 m=19 s=8
